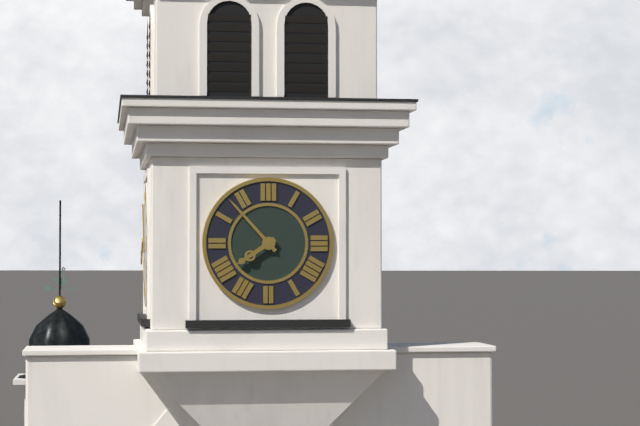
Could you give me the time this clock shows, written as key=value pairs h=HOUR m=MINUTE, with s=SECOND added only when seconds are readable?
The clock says h=7 m=53
